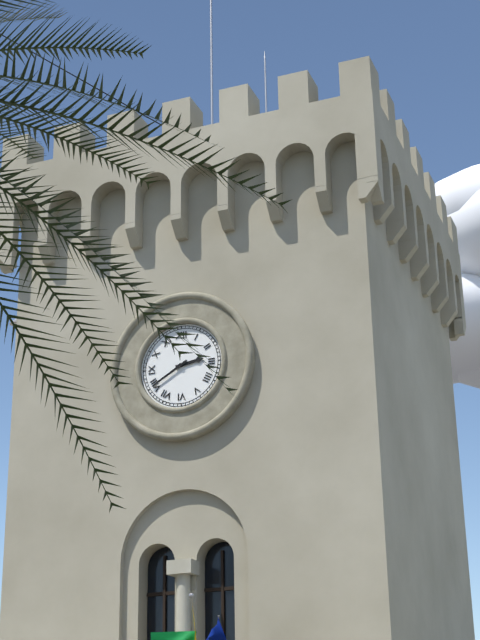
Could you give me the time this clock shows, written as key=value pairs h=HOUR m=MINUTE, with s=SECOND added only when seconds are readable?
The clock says h=2 m=40
